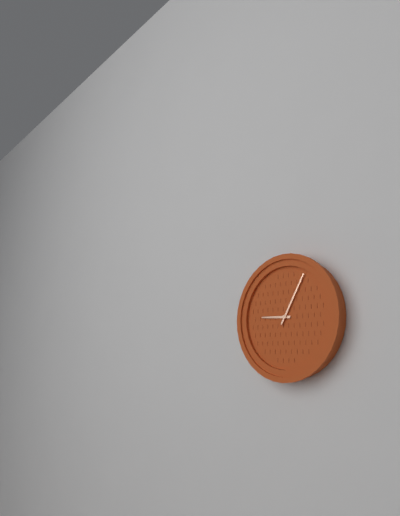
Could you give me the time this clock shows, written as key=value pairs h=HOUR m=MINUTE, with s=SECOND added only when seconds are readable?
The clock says h=9 m=5
